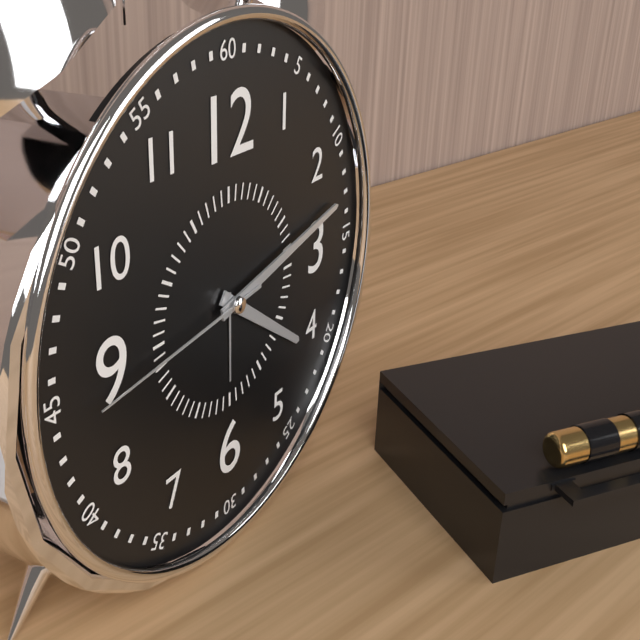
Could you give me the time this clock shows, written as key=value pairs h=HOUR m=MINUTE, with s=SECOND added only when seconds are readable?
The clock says h=4 m=13 s=44
